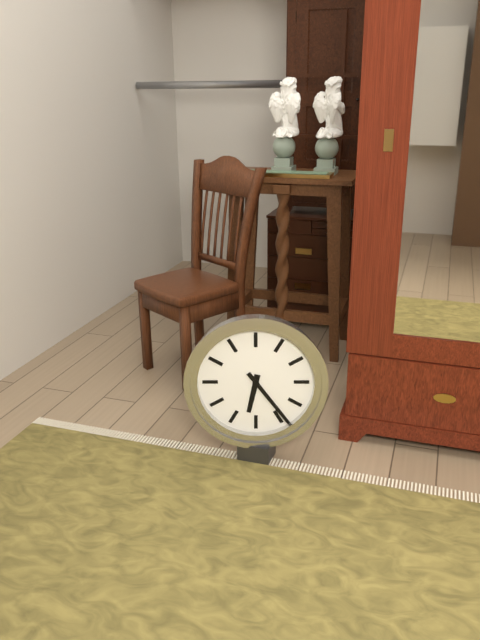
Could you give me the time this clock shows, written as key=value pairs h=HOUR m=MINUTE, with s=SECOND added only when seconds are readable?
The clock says h=6 m=24
